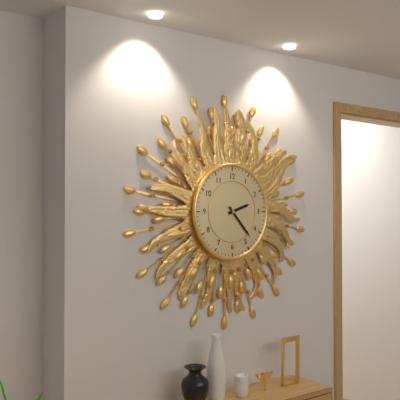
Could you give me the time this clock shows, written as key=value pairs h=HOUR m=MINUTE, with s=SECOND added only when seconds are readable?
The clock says h=2 m=23
